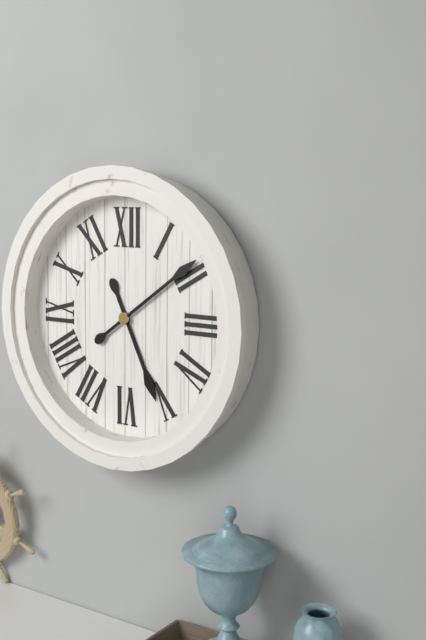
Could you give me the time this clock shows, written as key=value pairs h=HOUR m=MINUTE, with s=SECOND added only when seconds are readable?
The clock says h=5 m=9
